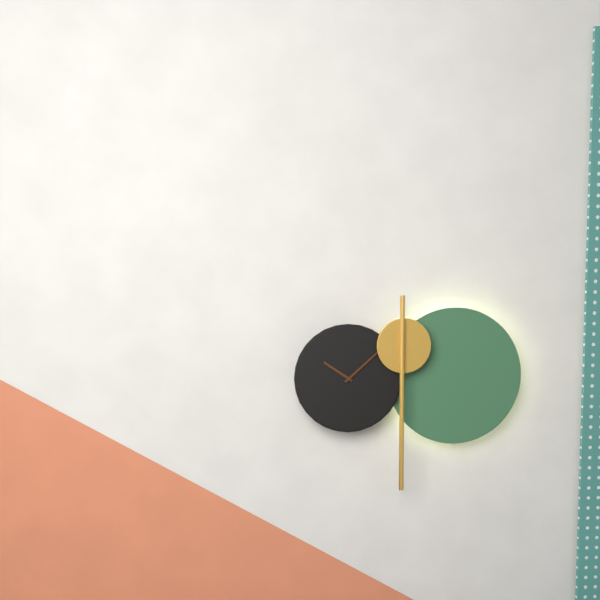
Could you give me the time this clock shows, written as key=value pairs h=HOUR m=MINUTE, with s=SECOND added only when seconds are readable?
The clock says h=10 m=8
